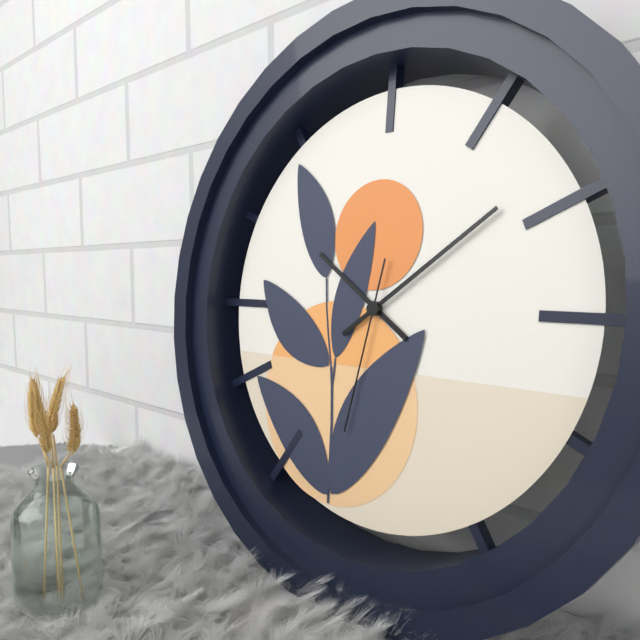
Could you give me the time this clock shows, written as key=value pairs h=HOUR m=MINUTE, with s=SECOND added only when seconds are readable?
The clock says h=10 m=9 s=32
